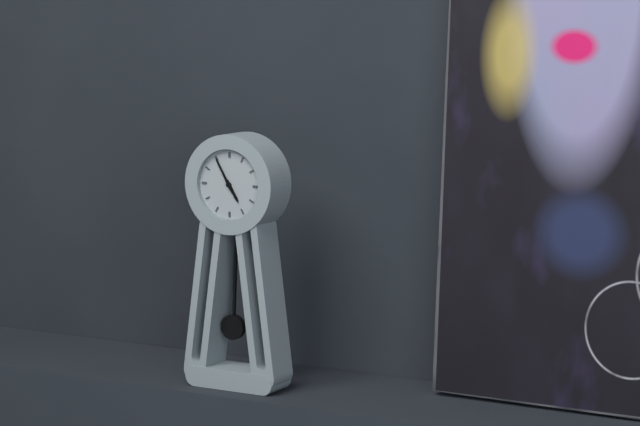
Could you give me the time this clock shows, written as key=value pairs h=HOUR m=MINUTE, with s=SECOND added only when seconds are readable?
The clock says h=4 m=55
